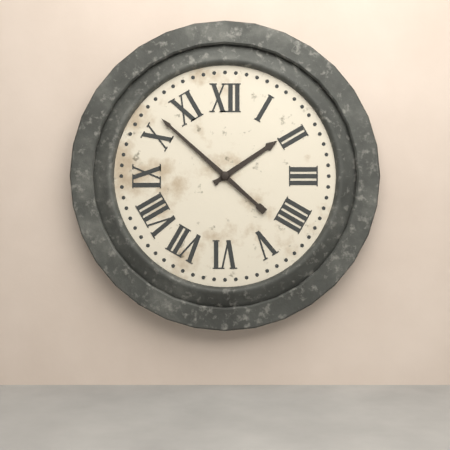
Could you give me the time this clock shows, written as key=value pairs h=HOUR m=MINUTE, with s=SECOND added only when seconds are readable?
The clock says h=1 m=52
